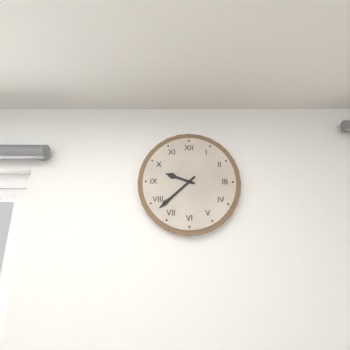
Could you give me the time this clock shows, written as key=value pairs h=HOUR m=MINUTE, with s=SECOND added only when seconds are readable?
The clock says h=9 m=38
